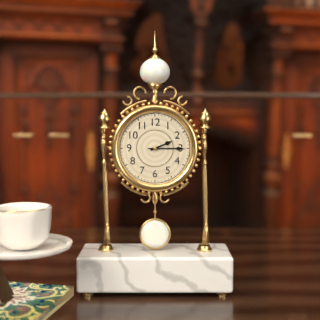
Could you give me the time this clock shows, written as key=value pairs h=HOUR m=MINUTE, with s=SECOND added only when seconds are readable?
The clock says h=2 m=15
